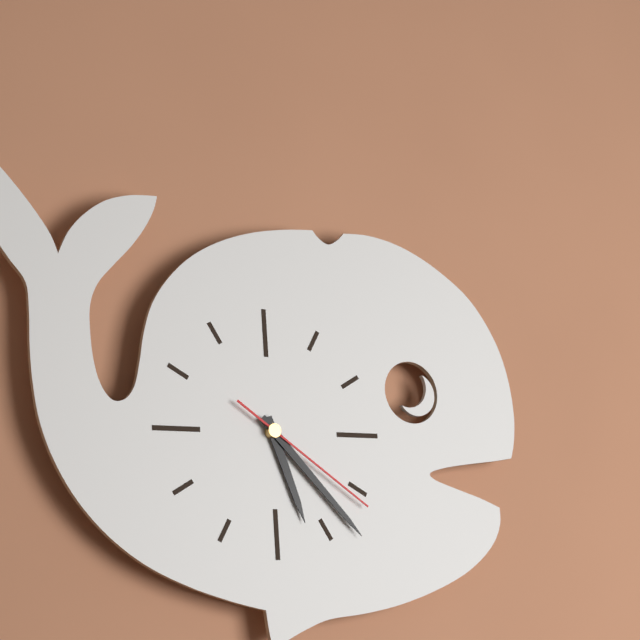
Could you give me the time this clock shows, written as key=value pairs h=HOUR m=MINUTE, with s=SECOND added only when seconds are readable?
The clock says h=5 m=23 s=21
